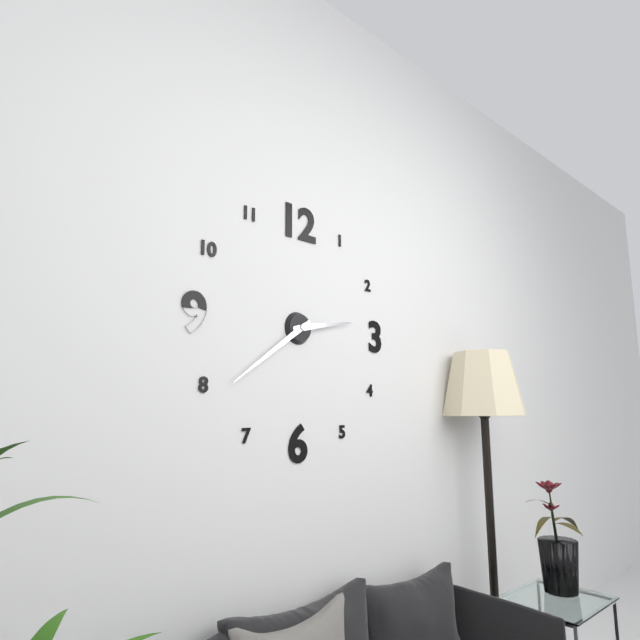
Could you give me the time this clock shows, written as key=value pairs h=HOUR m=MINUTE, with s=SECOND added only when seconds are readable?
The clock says h=2 m=39
